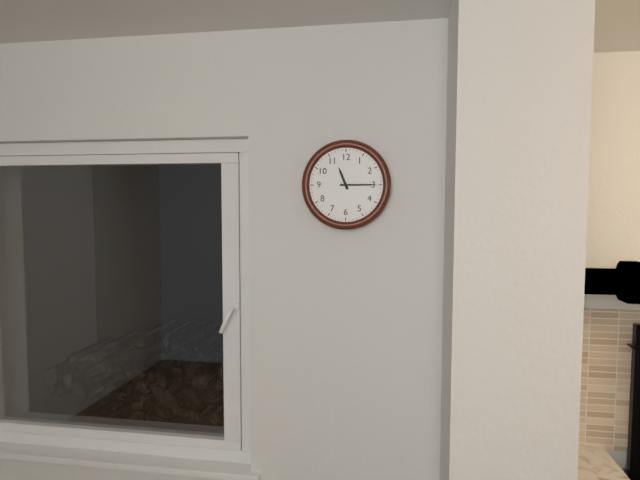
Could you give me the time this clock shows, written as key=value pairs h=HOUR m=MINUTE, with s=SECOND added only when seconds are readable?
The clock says h=11 m=15
